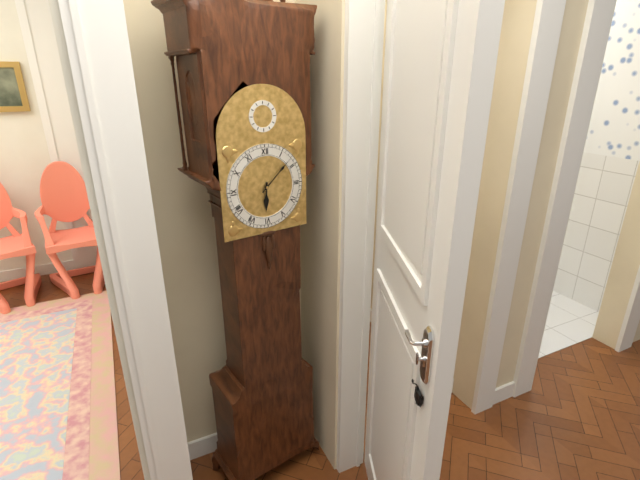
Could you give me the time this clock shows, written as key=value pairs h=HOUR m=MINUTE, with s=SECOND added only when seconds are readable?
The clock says h=6 m=8
